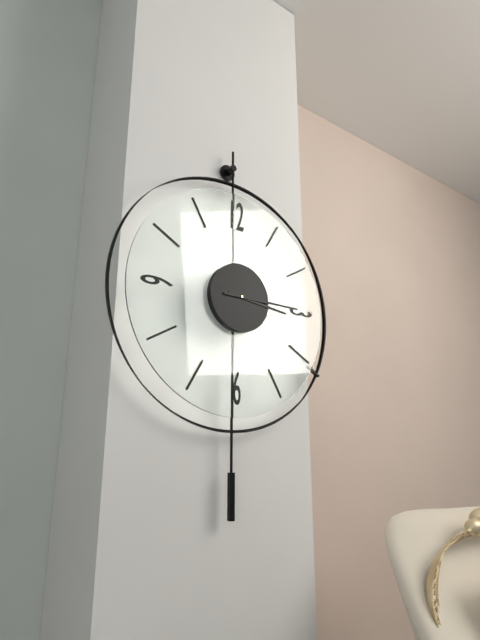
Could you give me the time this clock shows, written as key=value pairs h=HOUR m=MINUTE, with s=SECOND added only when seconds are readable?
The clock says h=3 m=15
